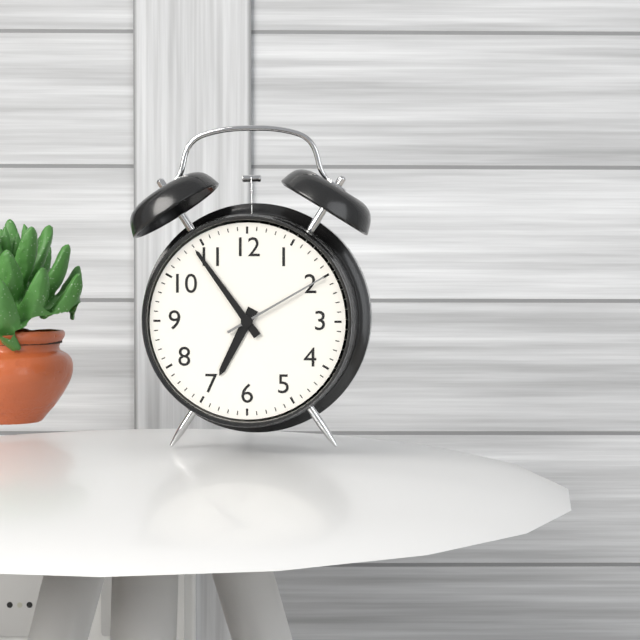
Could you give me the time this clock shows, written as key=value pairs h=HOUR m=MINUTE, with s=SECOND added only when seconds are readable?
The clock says h=6 m=54 s=10
